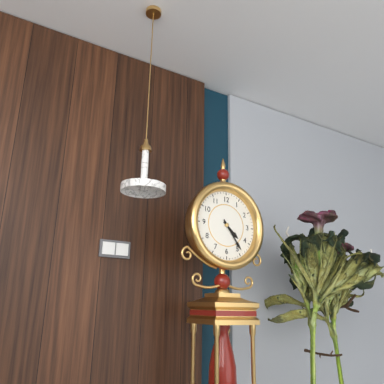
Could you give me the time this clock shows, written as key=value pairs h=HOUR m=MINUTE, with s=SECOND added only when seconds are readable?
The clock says h=4 m=24
